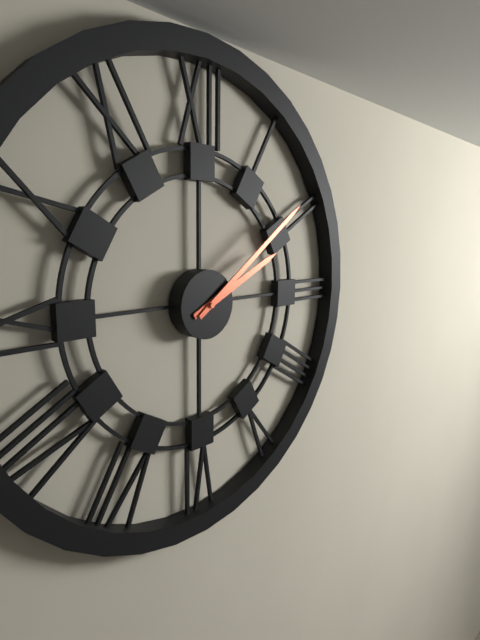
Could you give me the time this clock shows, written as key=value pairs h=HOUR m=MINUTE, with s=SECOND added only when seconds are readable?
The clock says h=2 m=9
